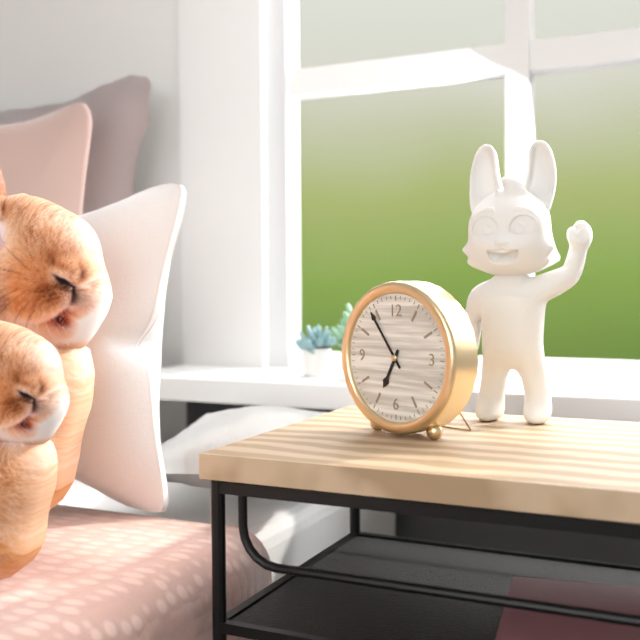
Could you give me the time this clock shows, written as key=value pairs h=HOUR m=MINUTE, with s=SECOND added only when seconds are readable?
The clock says h=6 m=54
